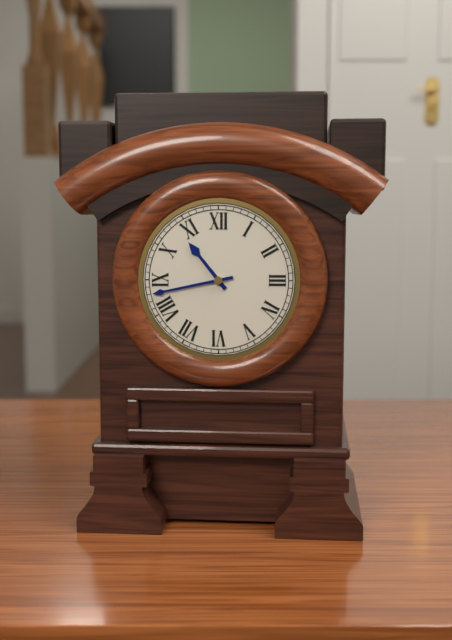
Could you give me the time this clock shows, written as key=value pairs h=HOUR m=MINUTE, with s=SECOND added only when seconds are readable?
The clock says h=10 m=43
